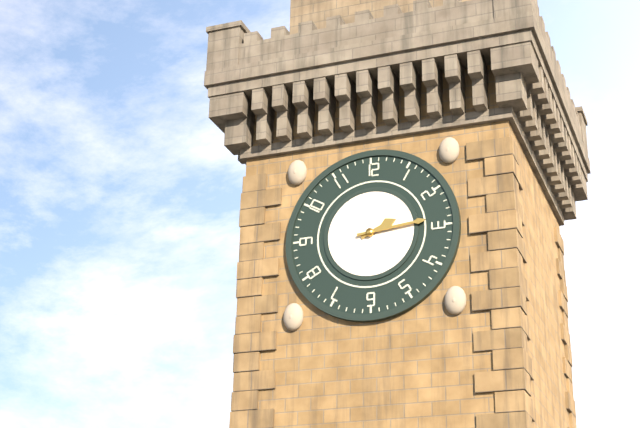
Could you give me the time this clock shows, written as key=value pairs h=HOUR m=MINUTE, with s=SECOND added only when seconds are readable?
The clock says h=2 m=14
